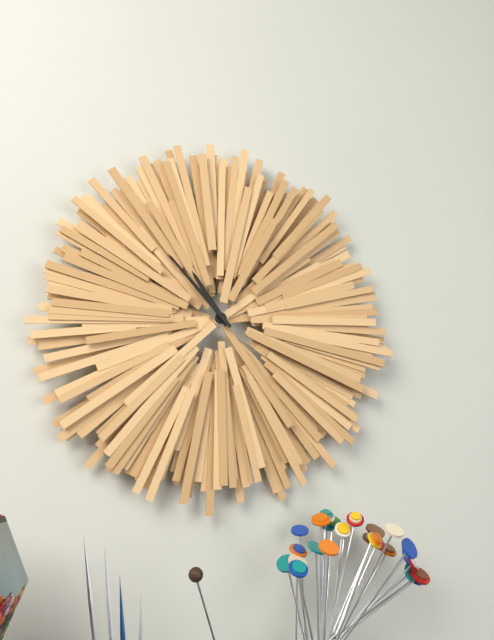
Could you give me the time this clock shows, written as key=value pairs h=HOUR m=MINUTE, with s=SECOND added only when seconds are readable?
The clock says h=10 m=53
